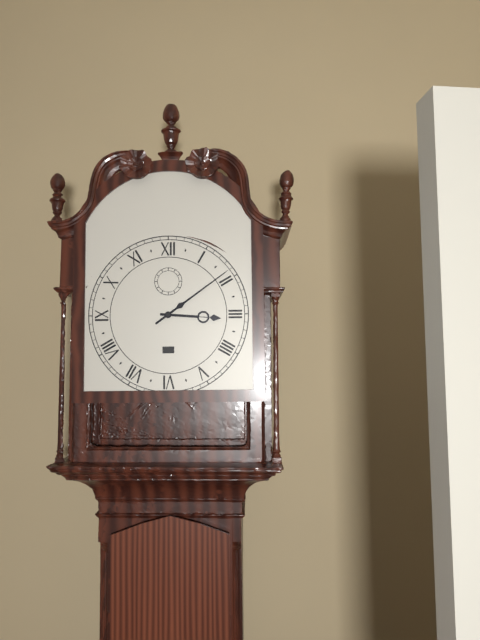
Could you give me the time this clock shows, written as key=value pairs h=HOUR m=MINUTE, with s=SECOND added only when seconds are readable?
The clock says h=3 m=9
